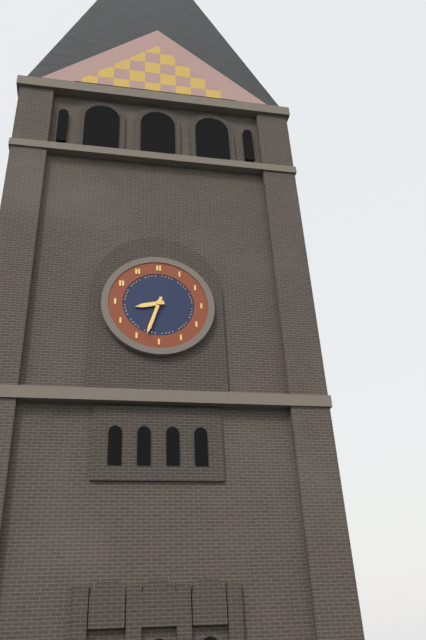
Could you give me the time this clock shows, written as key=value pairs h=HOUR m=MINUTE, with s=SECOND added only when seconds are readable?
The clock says h=8 m=33
